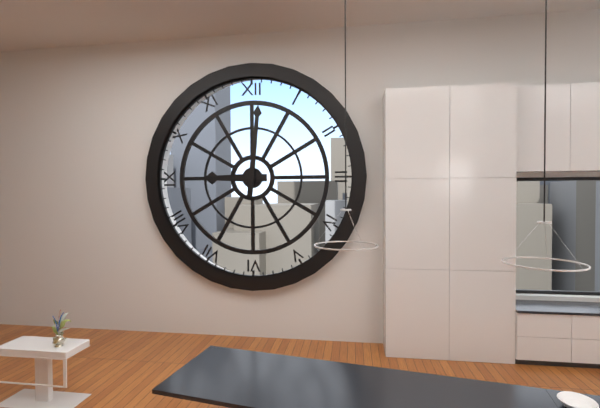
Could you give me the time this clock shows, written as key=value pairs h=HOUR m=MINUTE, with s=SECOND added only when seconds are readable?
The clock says h=9 m=1
